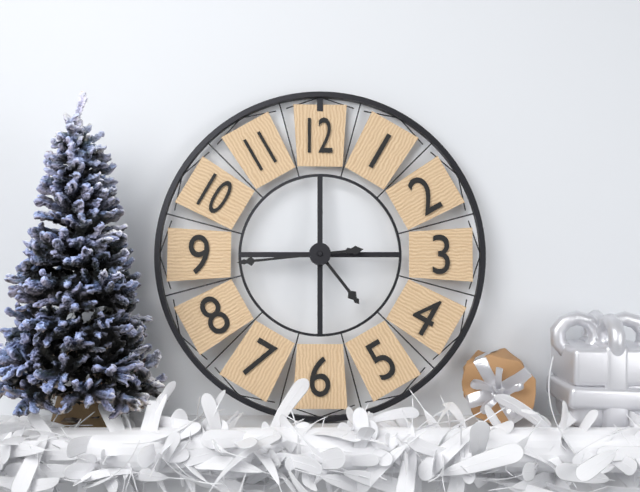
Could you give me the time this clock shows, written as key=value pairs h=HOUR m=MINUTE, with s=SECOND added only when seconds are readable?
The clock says h=4 m=44
